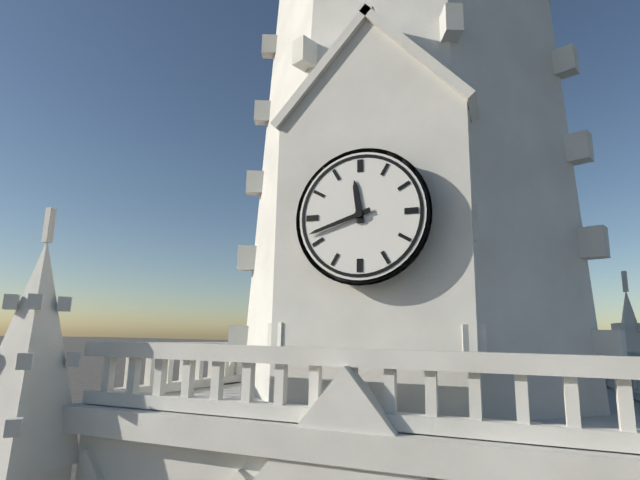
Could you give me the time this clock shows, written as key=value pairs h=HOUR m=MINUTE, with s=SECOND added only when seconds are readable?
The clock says h=11 m=42
